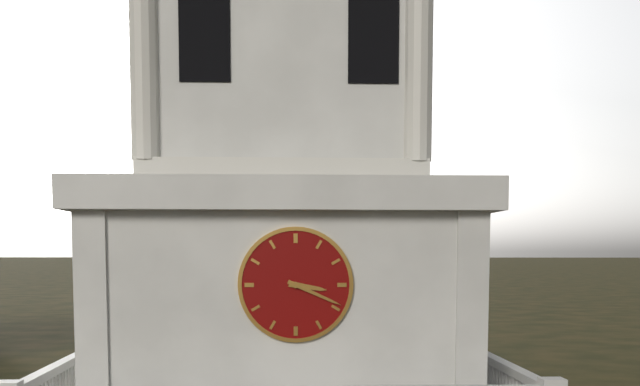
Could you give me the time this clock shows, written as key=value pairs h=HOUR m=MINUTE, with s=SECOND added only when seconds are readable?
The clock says h=3 m=19
